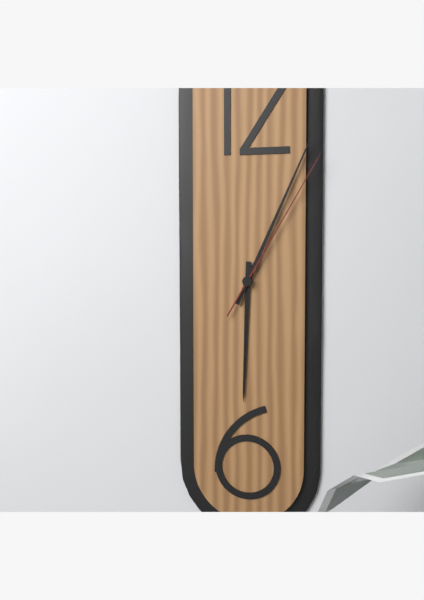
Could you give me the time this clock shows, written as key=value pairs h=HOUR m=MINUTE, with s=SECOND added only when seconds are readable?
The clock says h=6 m=4 s=5
